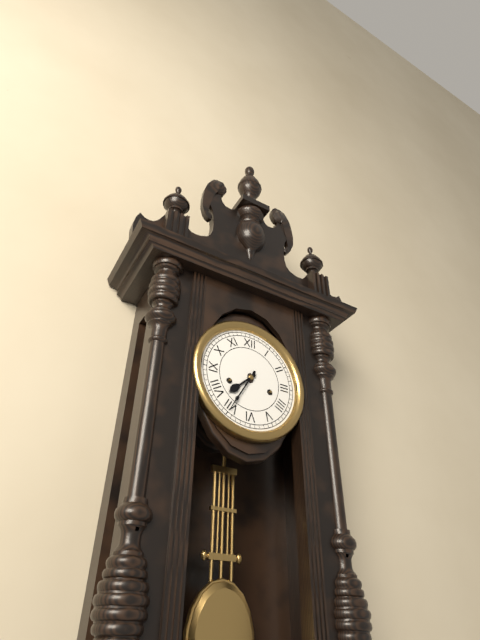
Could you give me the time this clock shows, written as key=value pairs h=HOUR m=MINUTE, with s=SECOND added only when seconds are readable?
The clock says h=7 m=35
